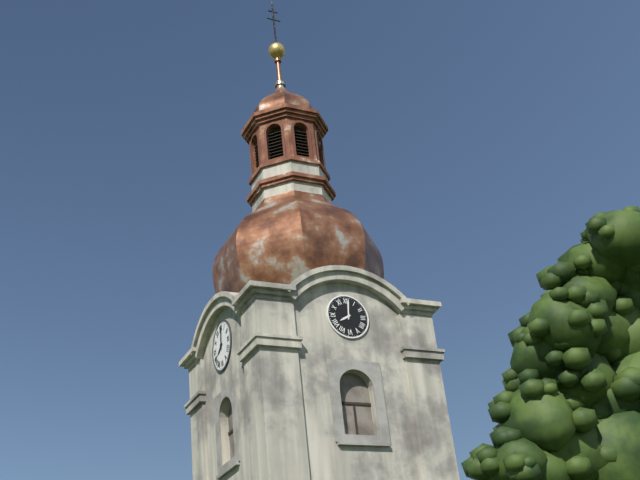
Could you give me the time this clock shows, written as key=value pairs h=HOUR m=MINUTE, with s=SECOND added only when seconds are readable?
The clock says h=8 m=1
